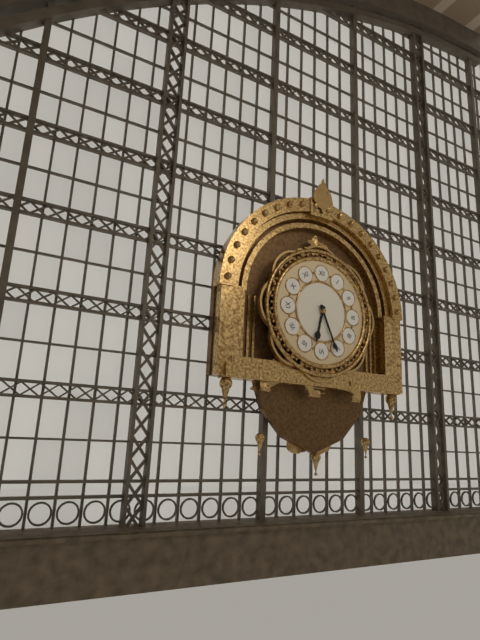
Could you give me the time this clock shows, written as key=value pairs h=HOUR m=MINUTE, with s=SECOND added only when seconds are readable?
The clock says h=6 m=26
